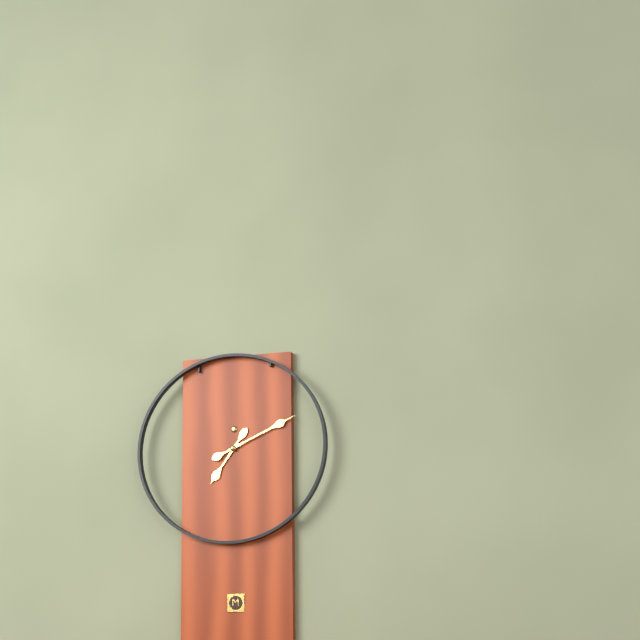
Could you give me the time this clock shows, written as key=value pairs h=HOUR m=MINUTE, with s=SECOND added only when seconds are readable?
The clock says h=7 m=11
